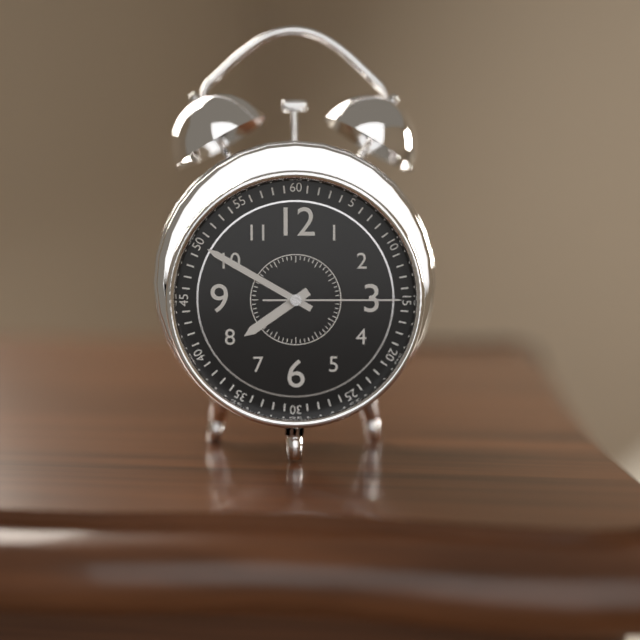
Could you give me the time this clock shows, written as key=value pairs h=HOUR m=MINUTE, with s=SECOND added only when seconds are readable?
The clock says h=7 m=50 s=15
